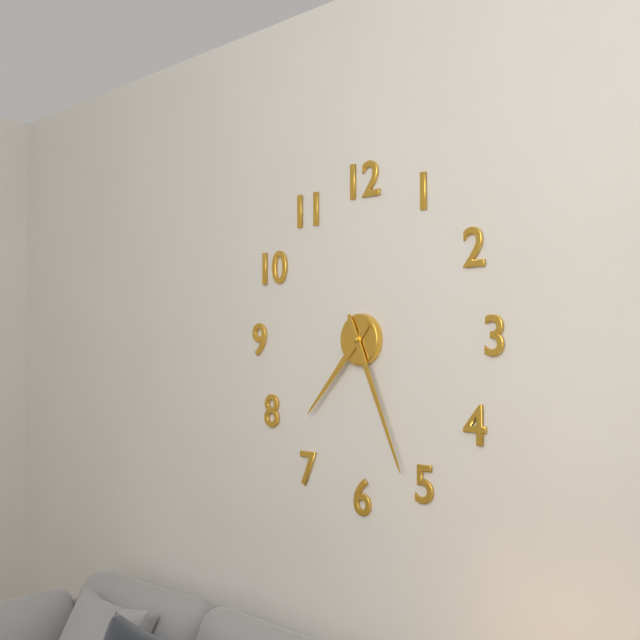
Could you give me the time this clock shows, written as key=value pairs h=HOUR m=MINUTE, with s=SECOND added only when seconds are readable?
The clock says h=7 m=26
